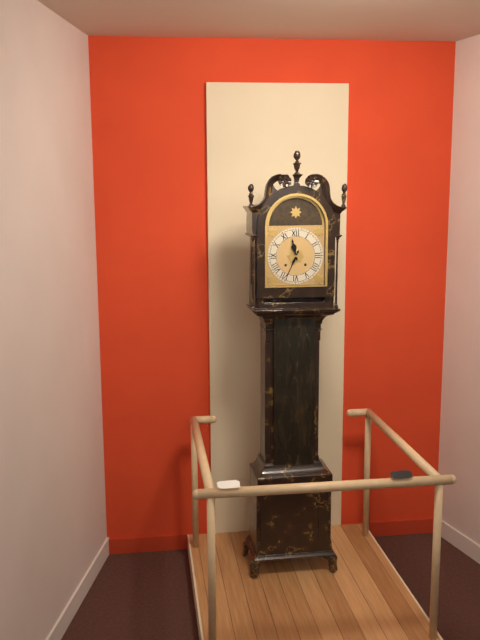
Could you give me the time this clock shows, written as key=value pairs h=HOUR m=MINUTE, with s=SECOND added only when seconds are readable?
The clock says h=11 m=34
